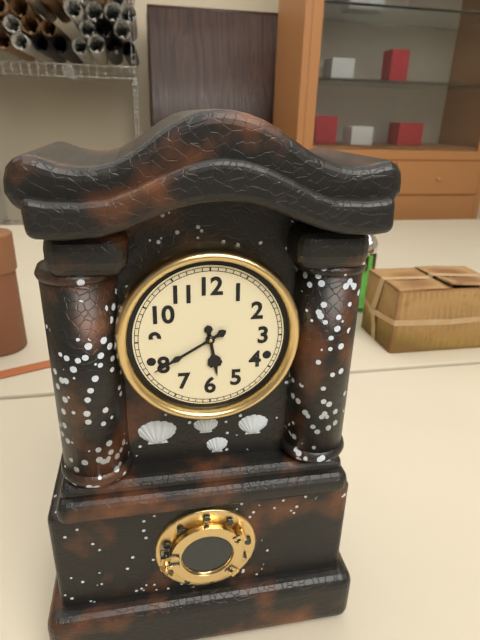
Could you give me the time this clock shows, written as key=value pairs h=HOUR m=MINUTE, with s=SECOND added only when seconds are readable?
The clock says h=5 m=40
